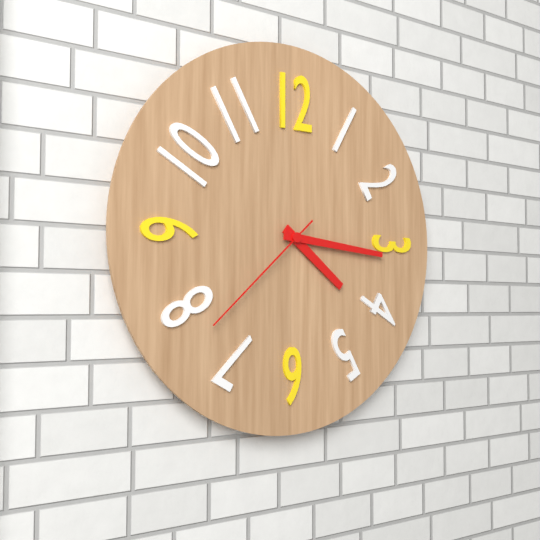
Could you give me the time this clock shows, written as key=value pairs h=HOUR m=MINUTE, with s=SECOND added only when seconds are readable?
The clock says h=4 m=16 s=38
